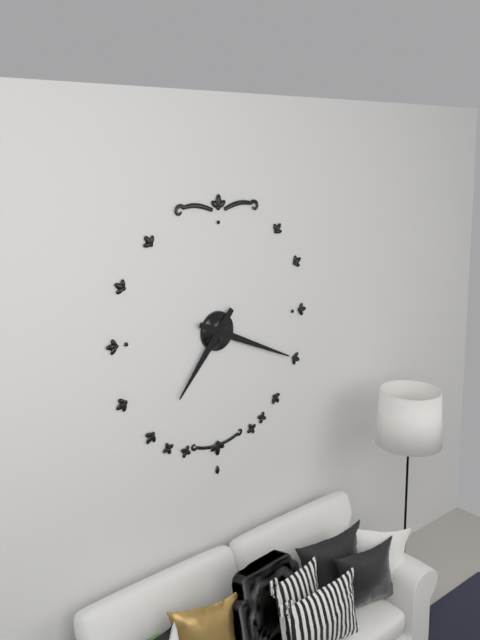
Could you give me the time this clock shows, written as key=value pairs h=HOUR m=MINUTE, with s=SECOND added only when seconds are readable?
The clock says h=7 m=19
